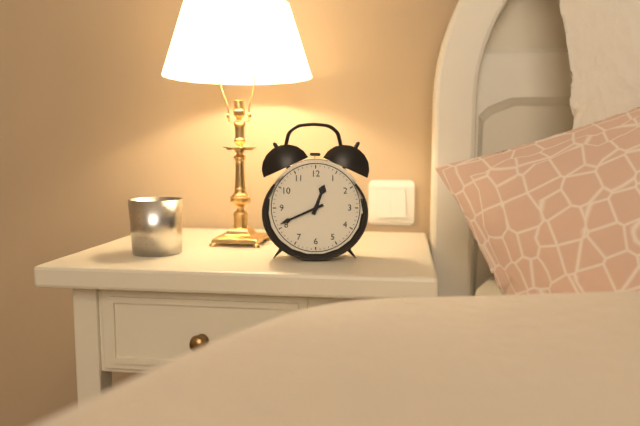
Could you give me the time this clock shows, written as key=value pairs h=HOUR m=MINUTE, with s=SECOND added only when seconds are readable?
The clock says h=12 m=41
